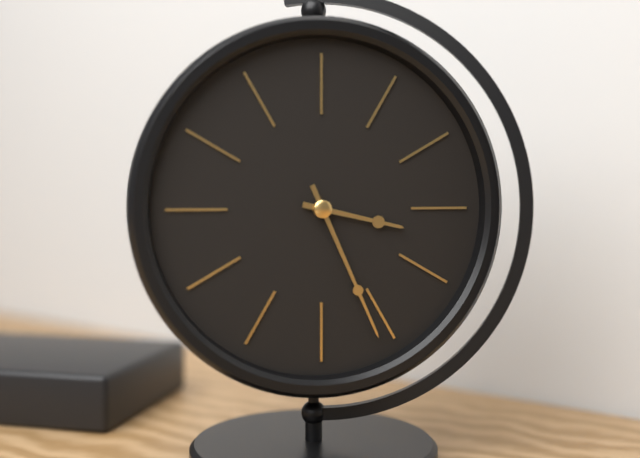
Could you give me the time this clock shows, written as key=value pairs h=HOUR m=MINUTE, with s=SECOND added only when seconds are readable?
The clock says h=3 m=26
